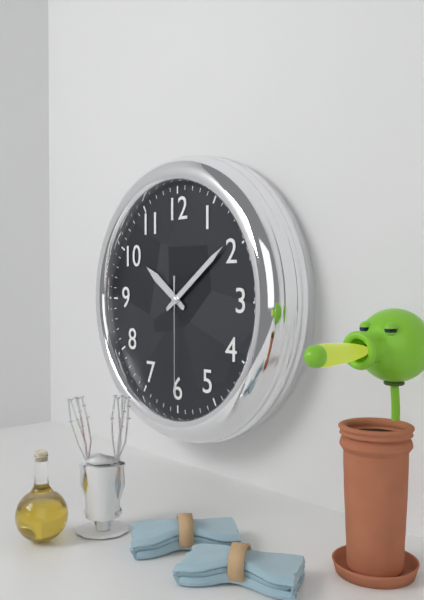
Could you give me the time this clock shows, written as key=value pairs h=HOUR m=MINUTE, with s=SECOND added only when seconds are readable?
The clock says h=10 m=9 s=30
